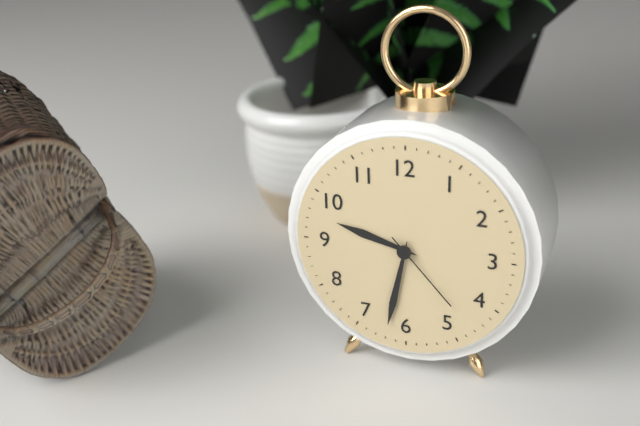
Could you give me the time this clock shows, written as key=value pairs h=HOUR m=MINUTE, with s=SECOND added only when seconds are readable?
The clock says h=9 m=32 s=23
